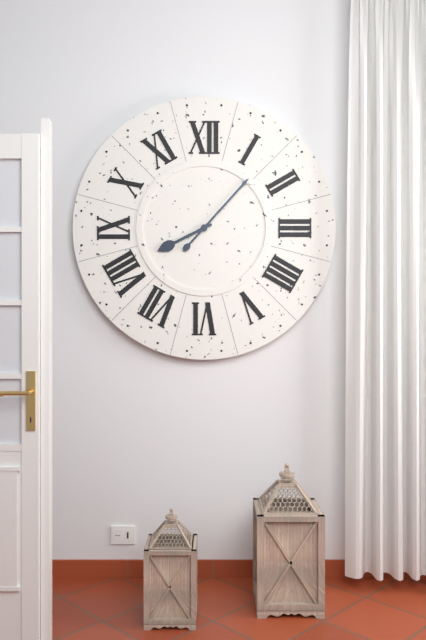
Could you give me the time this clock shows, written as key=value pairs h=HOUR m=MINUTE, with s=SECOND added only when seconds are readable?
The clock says h=8 m=7
